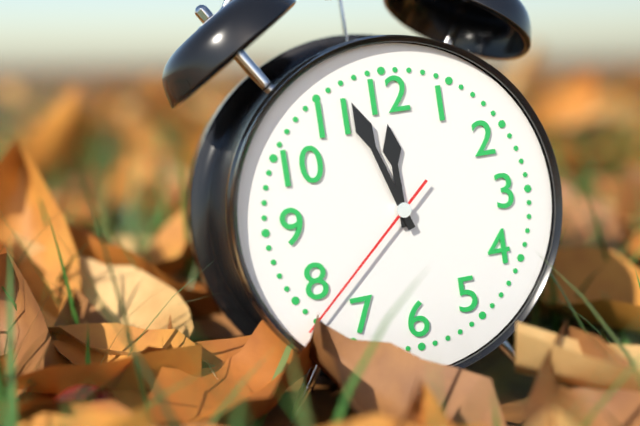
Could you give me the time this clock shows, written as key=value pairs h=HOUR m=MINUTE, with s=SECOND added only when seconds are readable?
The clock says h=11 m=57 s=38
